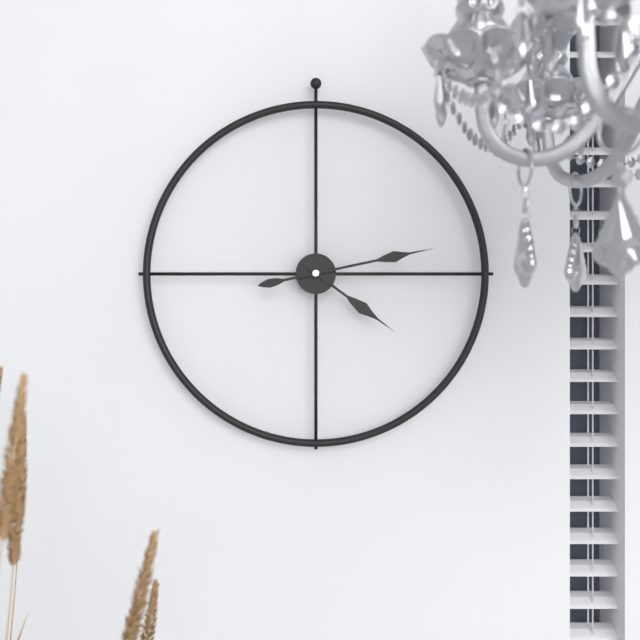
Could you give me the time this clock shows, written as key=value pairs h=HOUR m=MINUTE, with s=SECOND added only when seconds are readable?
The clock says h=4 m=13
